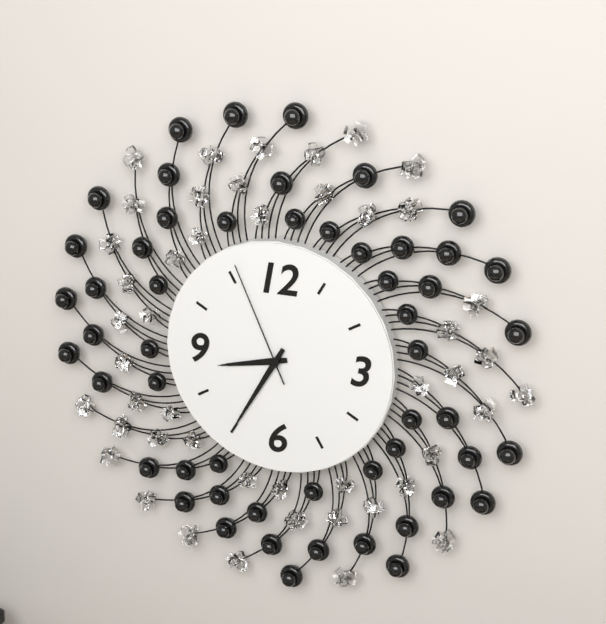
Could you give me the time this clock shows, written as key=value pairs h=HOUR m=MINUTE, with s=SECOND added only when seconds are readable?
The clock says h=8 m=35 s=56
